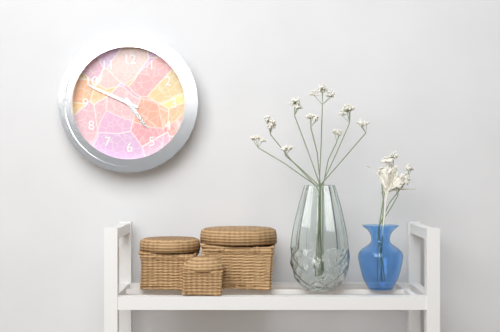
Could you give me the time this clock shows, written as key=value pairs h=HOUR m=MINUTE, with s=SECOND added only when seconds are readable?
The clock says h=4 m=49
